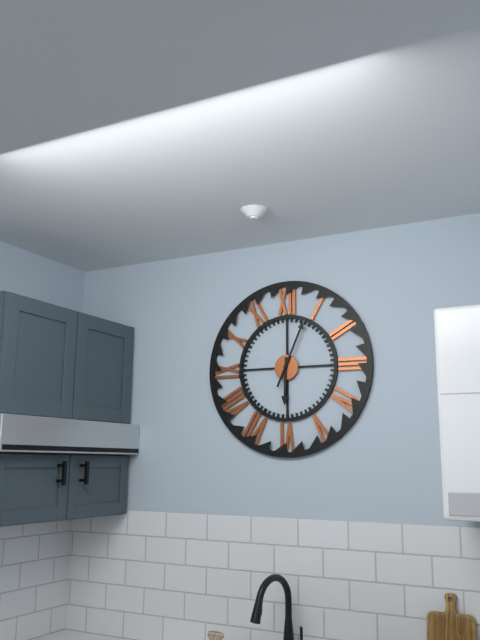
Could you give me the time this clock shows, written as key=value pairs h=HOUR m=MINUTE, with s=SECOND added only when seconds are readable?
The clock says h=6 m=4
